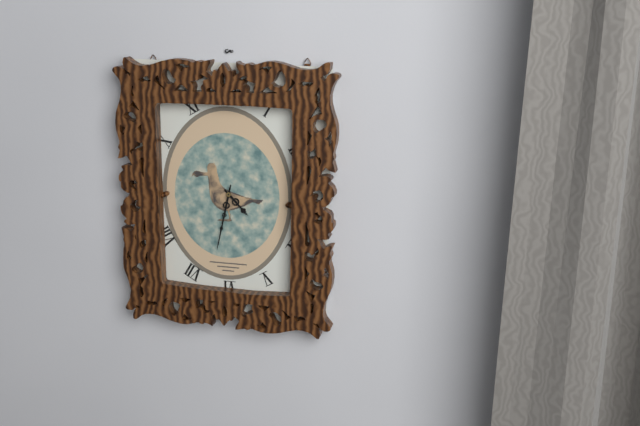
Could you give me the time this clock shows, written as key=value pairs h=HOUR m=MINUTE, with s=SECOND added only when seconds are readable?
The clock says h=4 m=32
